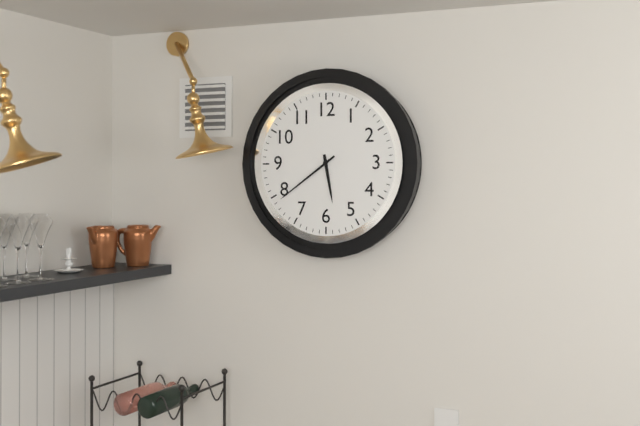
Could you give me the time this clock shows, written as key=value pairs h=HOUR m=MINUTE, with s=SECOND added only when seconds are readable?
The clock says h=5 m=39
